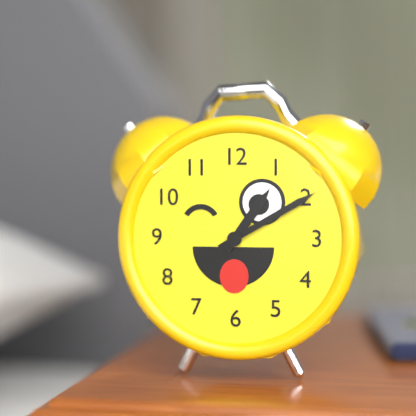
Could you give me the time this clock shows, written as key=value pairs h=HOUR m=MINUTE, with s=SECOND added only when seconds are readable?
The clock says h=1 m=10
